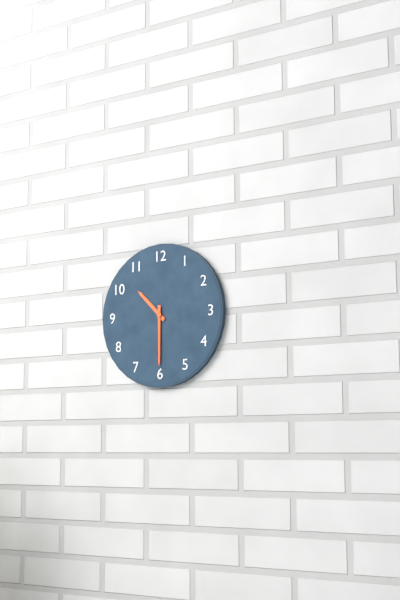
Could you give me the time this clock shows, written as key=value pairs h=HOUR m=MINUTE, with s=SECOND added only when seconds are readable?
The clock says h=10 m=30
